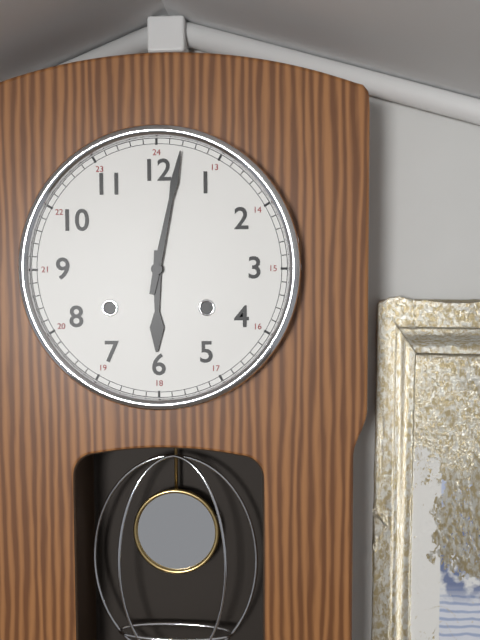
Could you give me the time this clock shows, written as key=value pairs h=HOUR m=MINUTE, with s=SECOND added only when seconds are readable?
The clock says h=6 m=2
